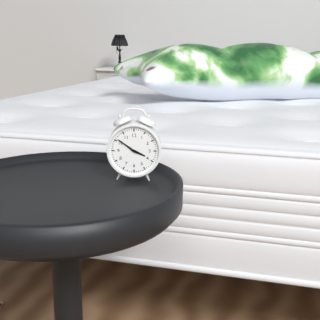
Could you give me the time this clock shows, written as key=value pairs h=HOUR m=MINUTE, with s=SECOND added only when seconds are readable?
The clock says h=3 m=51
